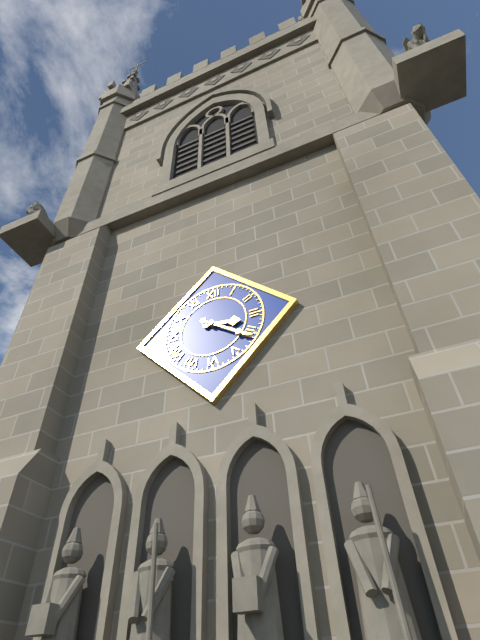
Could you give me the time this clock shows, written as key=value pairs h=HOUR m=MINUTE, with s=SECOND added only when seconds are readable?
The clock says h=3 m=21
